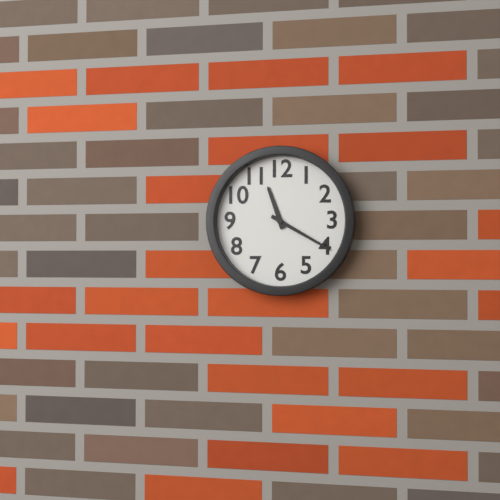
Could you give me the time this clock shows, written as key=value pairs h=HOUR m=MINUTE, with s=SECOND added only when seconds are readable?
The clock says h=11 m=20
